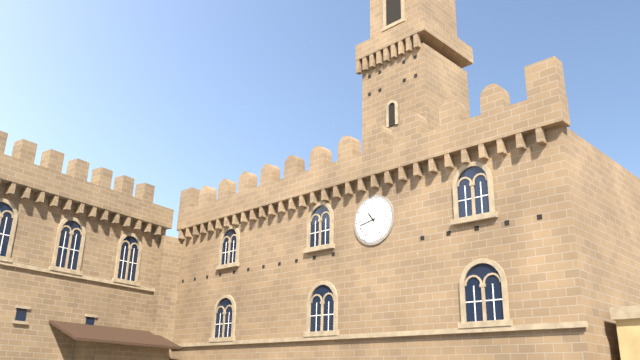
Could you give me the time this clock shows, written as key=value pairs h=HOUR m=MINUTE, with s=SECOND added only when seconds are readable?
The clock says h=10 m=43
